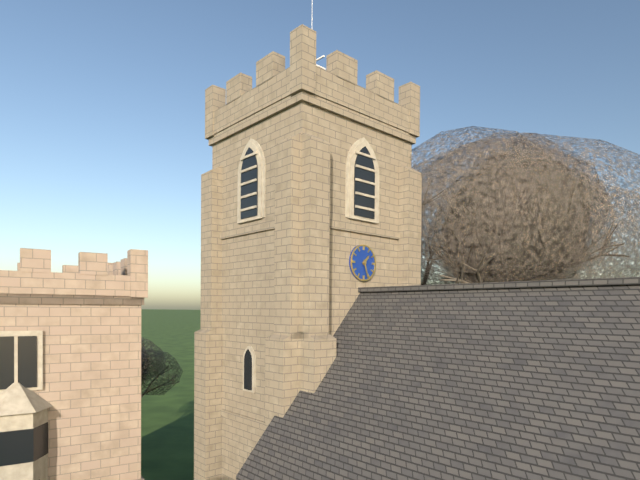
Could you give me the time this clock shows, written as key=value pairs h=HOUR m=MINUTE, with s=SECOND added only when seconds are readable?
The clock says h=1 m=27
